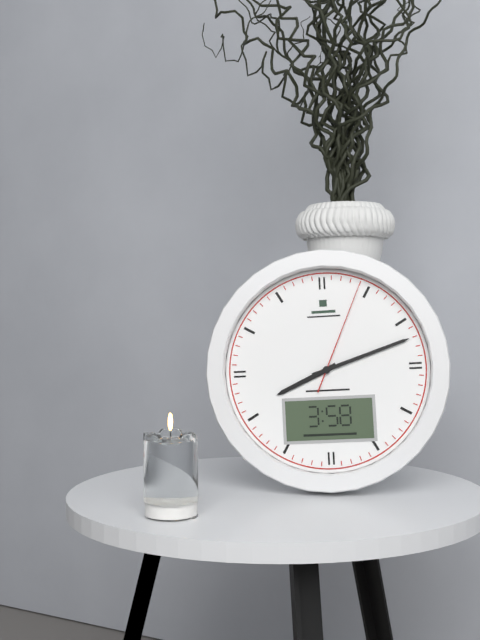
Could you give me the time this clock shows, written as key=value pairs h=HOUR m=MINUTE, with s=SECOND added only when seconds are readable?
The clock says h=8 m=12 s=4
